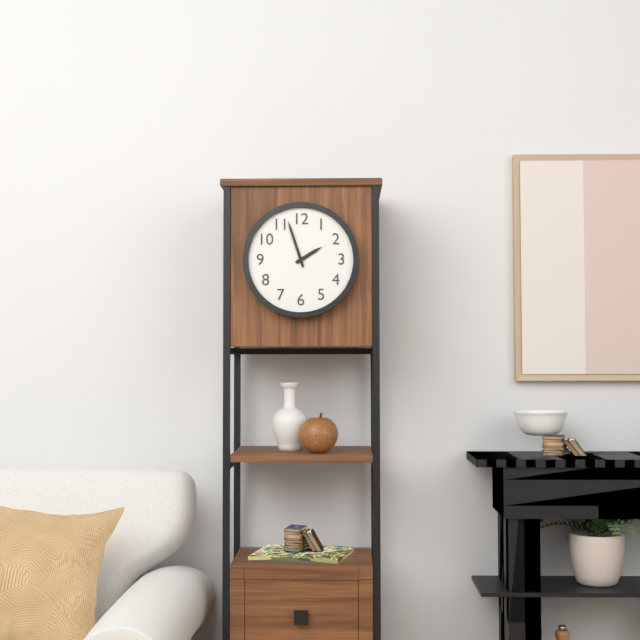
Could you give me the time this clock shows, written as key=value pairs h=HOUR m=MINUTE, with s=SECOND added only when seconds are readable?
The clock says h=1 m=57
